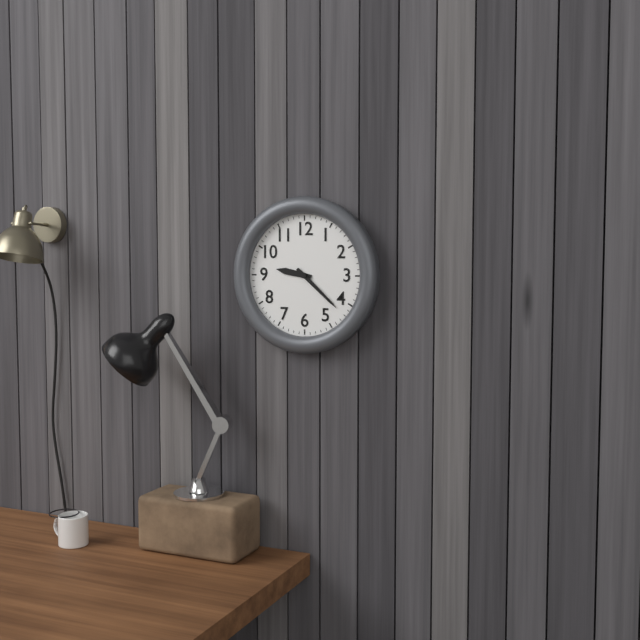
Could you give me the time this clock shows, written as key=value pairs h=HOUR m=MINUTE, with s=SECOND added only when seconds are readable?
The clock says h=9 m=22
